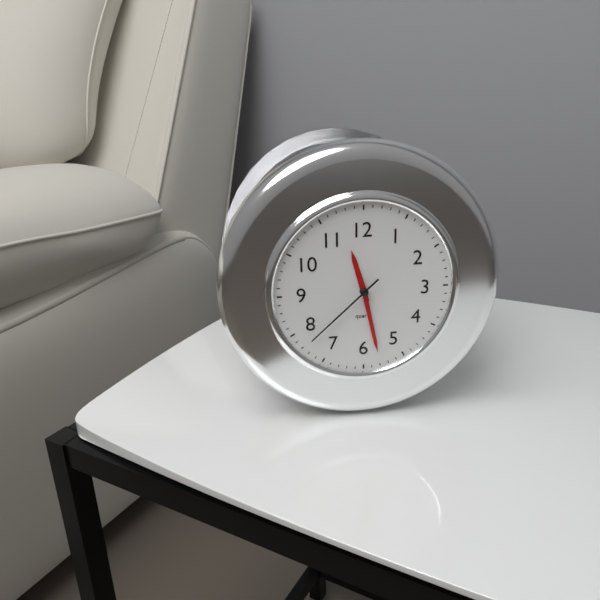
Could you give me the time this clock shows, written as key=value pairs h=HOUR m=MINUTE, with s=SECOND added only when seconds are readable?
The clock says h=11 m=28 s=38
